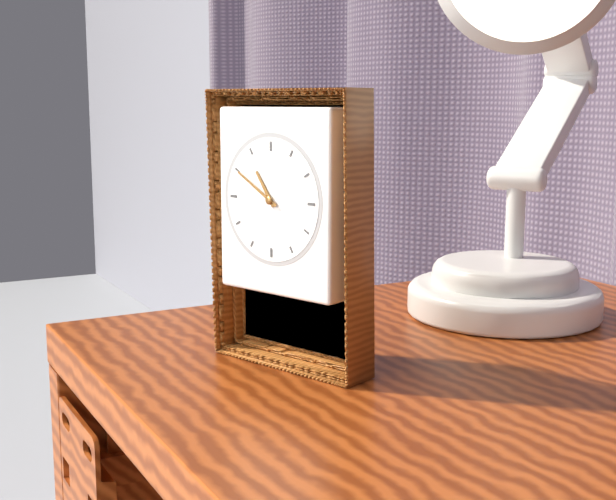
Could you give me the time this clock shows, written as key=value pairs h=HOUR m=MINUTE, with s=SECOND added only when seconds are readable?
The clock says h=10 m=50
